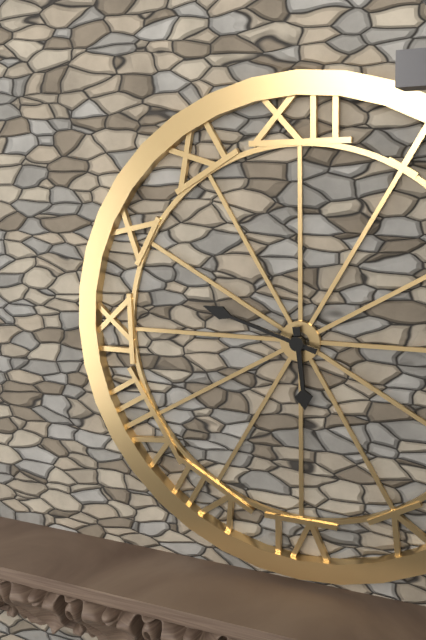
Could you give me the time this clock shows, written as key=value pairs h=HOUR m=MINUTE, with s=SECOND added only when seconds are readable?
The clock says h=5 m=48
